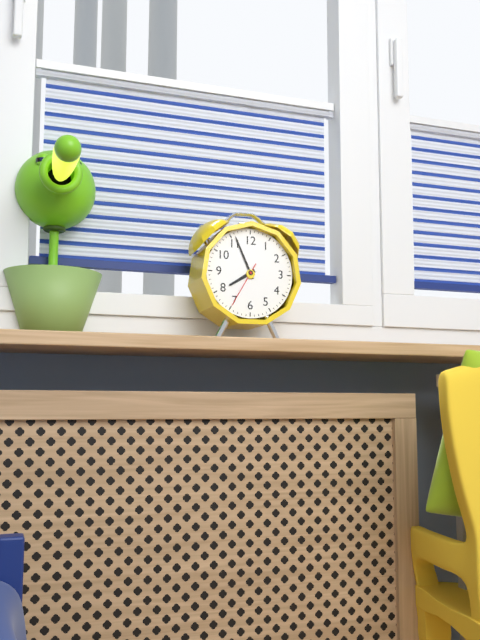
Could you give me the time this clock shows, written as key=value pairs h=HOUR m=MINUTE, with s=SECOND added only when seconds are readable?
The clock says h=7 m=56
